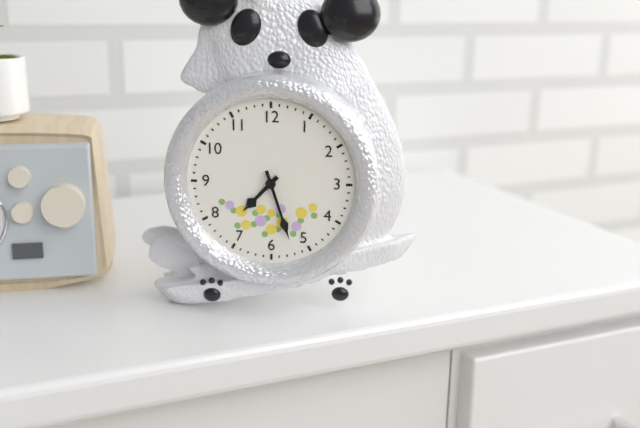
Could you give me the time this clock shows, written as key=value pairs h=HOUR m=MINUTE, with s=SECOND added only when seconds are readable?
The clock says h=7 m=27
